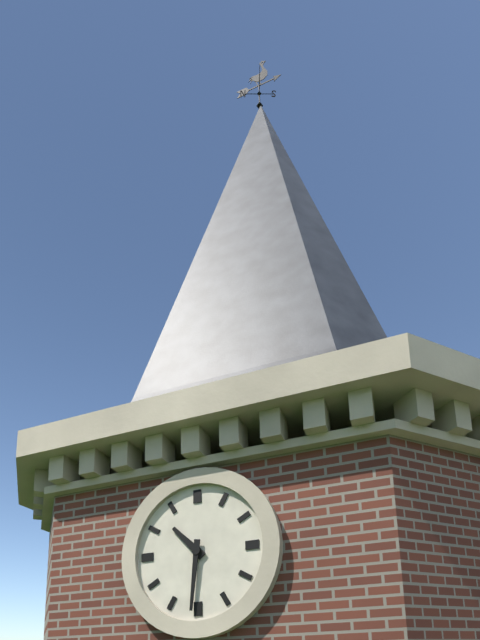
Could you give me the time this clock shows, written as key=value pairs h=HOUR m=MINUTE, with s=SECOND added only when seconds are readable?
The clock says h=10 m=31
